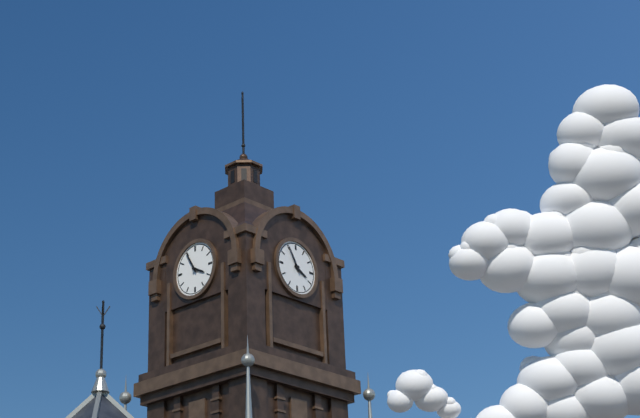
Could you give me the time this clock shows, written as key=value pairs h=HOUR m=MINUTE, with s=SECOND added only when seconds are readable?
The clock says h=3 m=55
